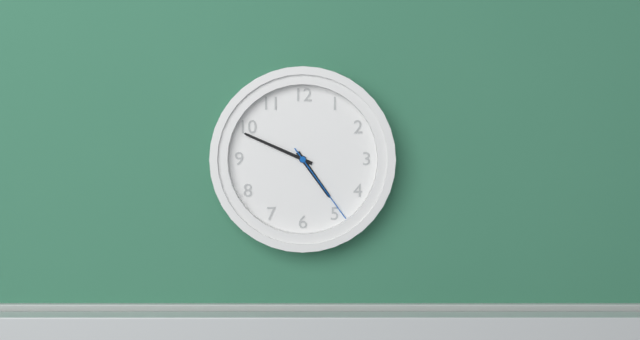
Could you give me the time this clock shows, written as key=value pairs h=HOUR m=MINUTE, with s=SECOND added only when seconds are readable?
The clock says h=4 m=49 s=24
